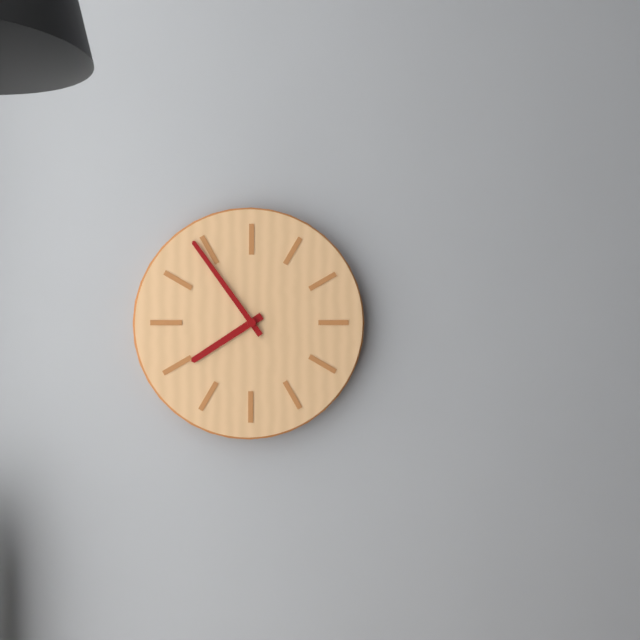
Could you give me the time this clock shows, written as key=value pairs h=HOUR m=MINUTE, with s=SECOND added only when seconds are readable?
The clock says h=7 m=54
